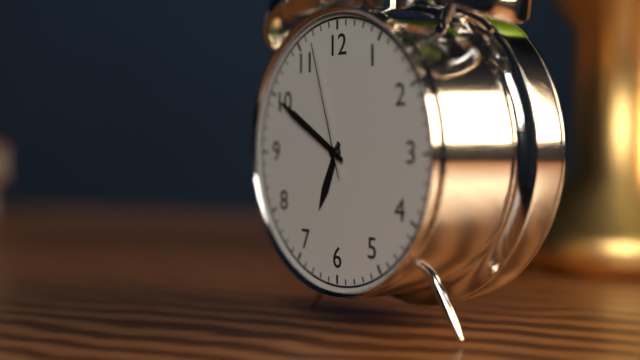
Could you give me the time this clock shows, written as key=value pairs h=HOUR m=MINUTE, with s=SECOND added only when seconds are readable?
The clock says h=6 m=50 s=57
